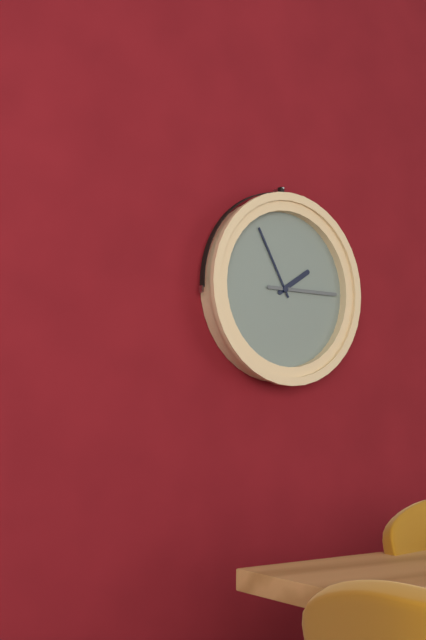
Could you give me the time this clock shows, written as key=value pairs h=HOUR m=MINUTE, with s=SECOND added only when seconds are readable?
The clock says h=1 m=55 s=15
